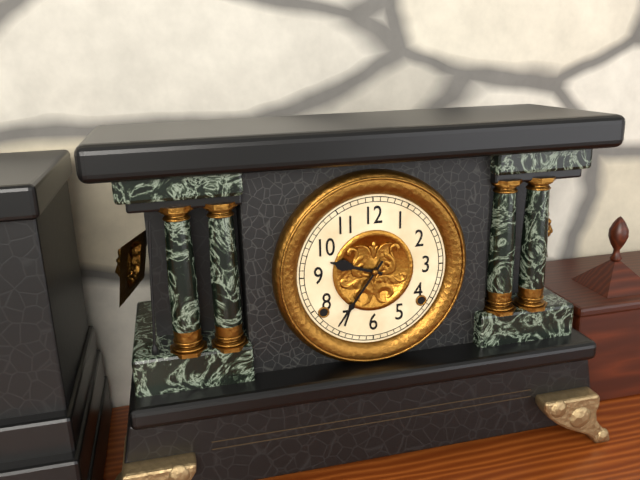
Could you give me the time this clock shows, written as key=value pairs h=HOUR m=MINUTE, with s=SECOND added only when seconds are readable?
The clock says h=9 m=36
